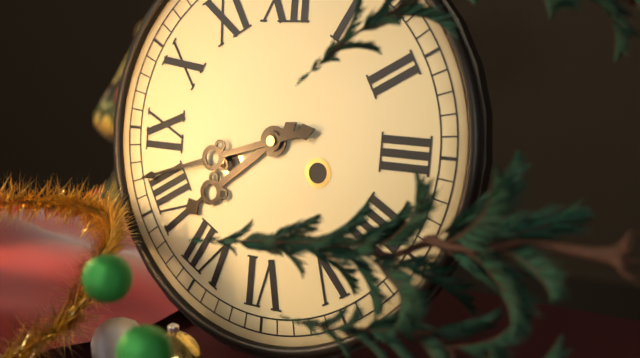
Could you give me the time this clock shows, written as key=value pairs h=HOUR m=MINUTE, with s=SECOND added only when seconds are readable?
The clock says h=7 m=42
